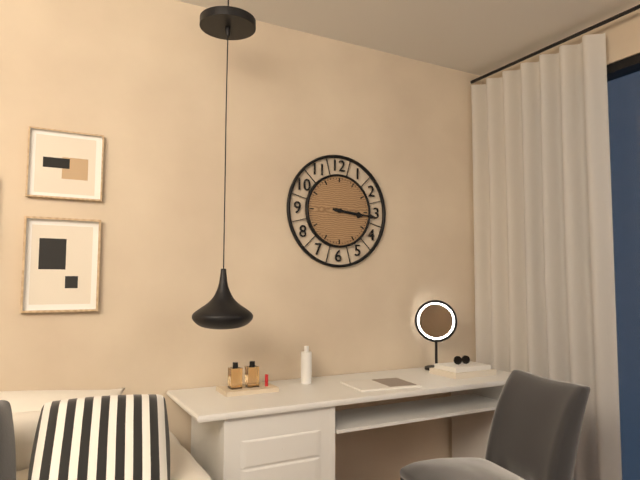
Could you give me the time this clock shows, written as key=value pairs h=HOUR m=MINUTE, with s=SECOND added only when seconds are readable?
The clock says h=3 m=16
